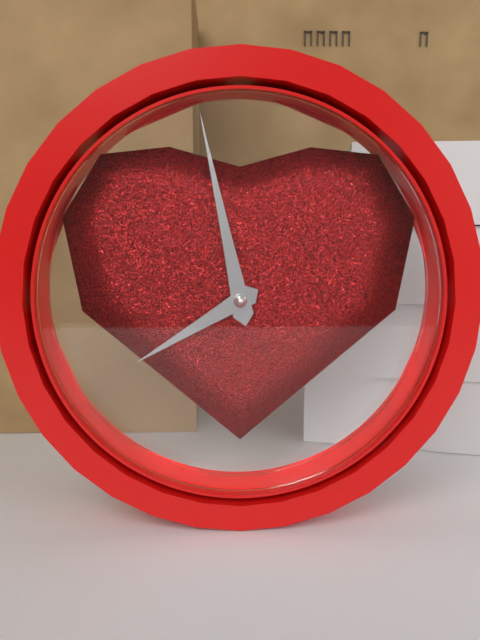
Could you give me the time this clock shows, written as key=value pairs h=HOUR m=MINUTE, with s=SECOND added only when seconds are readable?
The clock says h=7 m=58
